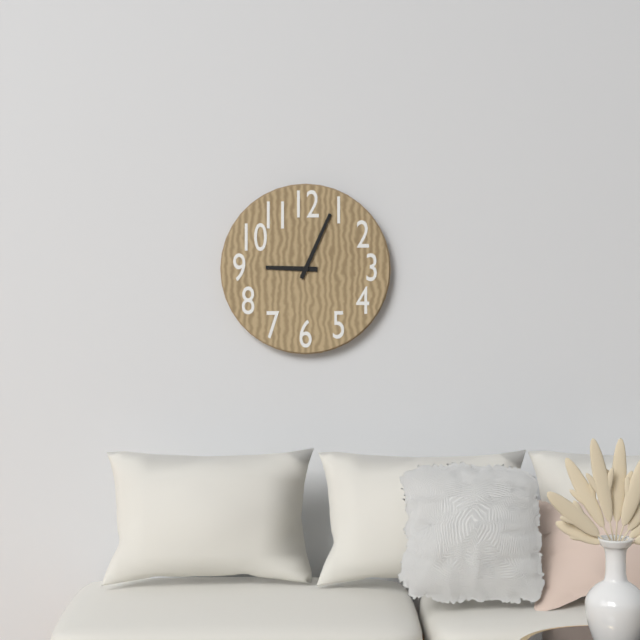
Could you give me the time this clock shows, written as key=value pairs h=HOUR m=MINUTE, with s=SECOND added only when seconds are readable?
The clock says h=9 m=4
